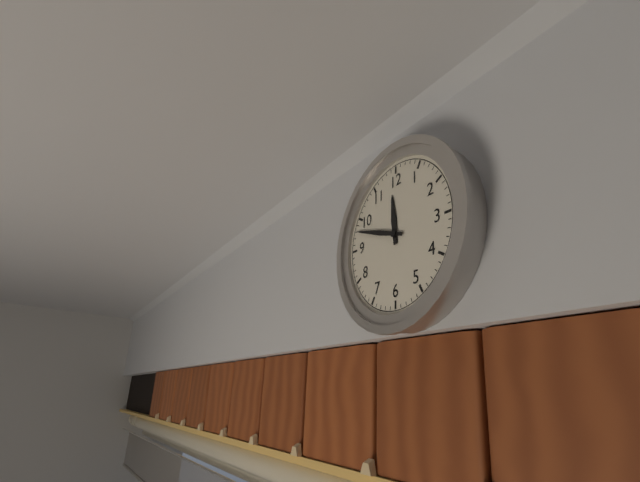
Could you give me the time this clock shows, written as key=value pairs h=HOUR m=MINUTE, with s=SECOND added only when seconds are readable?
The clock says h=11 m=48
